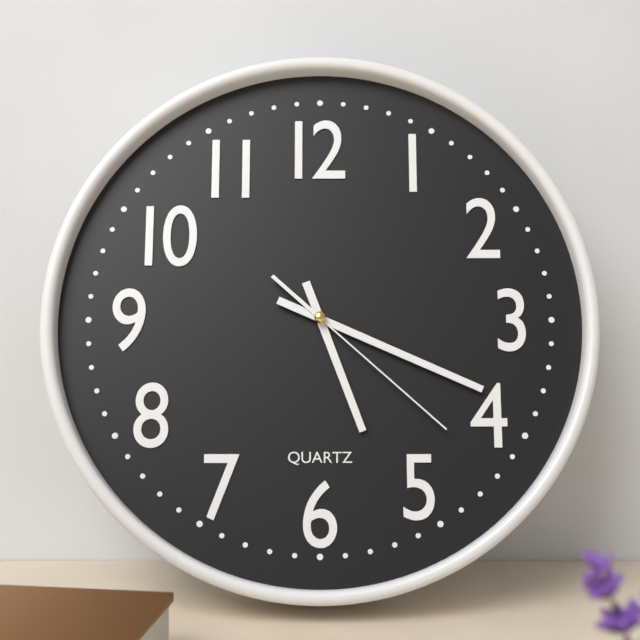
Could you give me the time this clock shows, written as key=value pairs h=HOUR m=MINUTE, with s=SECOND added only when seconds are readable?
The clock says h=5 m=19 s=22
